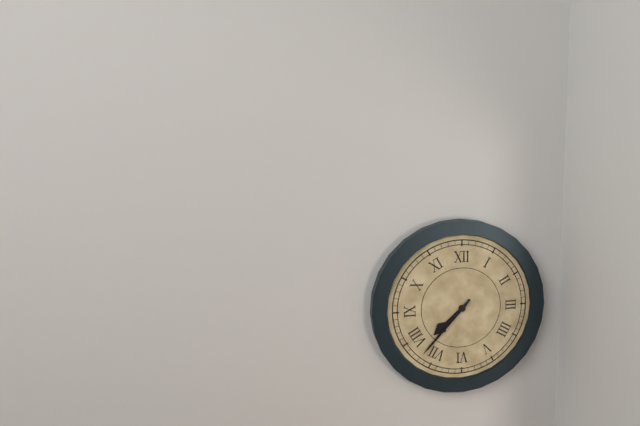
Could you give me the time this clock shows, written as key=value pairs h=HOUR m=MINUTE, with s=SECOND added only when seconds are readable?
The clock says h=7 m=37
